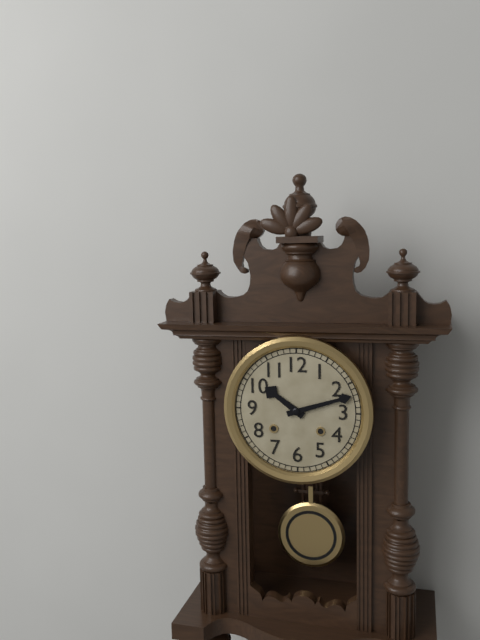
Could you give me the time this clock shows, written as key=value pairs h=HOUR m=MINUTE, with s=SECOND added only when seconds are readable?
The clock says h=10 m=12
